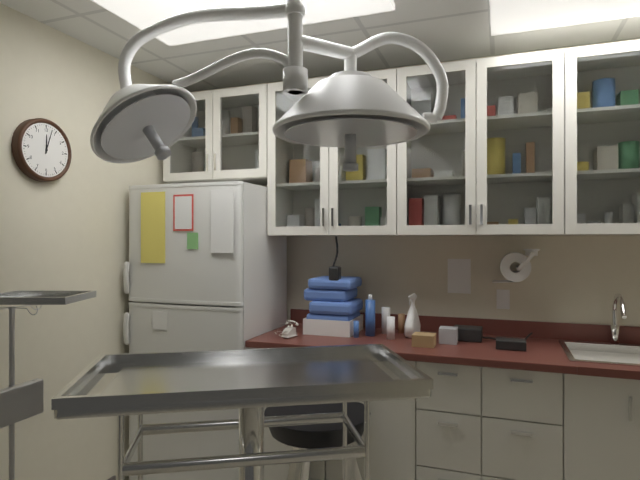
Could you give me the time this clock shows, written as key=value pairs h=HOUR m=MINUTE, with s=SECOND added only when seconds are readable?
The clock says h=12 m=3
